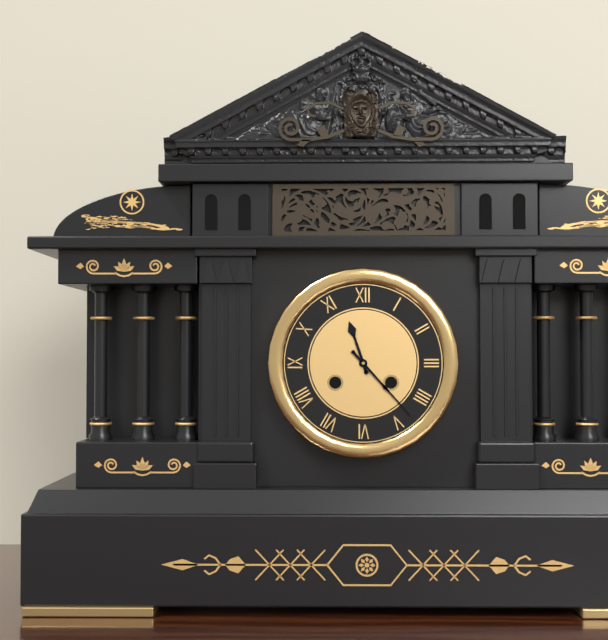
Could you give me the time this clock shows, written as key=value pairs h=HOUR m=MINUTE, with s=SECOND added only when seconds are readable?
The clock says h=11 m=23
